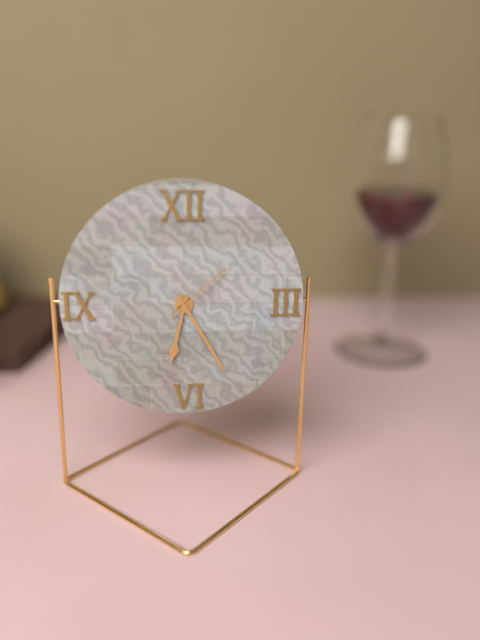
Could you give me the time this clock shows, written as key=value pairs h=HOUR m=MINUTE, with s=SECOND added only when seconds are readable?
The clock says h=6 m=25 s=8
